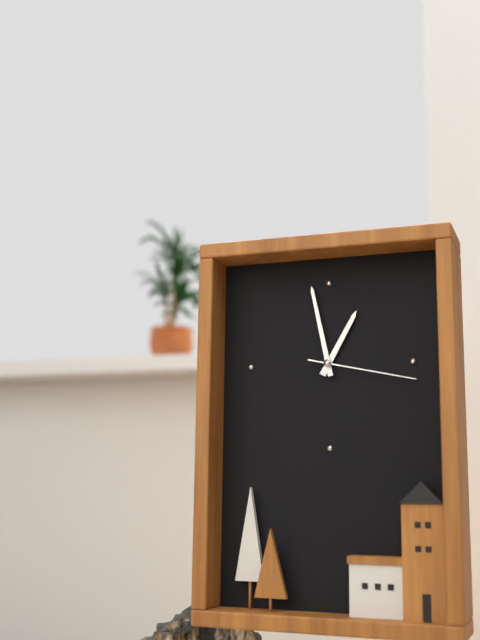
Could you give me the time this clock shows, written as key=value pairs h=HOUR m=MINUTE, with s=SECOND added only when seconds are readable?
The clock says h=12 m=58 s=17
